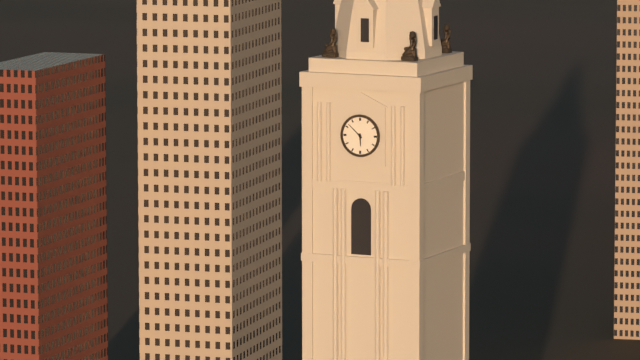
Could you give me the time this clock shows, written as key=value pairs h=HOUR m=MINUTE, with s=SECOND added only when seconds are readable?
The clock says h=5 m=52
